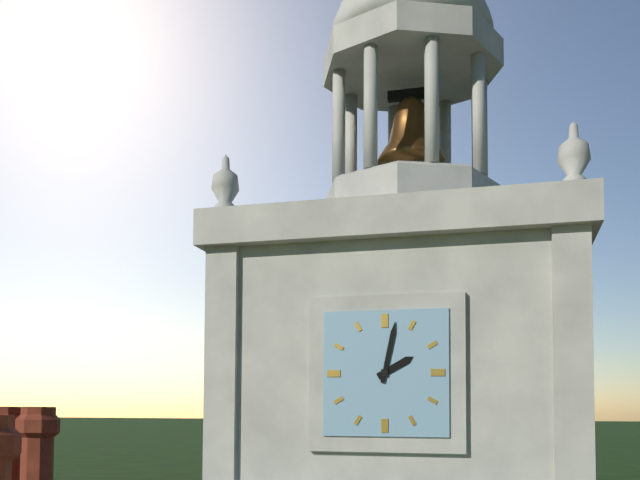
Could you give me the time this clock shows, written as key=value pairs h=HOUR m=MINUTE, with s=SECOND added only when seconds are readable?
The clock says h=2 m=2
